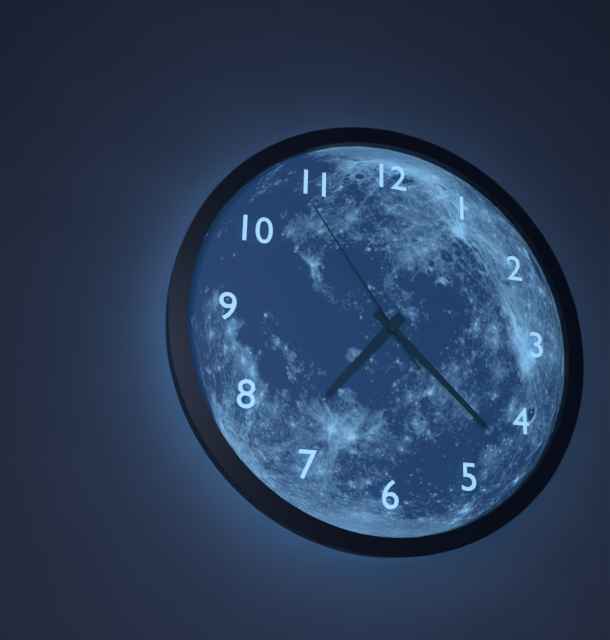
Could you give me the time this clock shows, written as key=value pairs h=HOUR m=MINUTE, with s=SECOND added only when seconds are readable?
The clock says h=7 m=22 s=54
